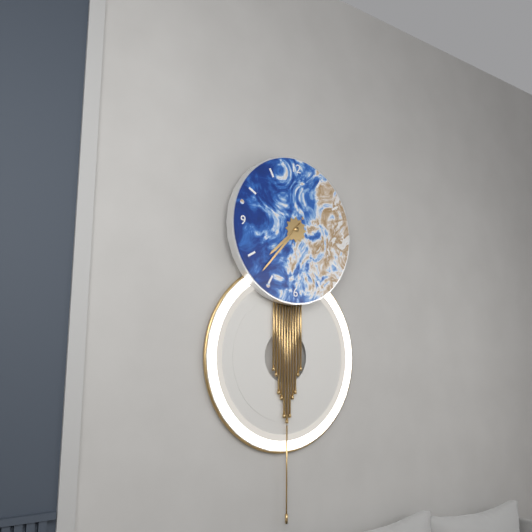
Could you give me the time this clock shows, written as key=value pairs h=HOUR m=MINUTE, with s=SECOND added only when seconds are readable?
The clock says h=7 m=37
